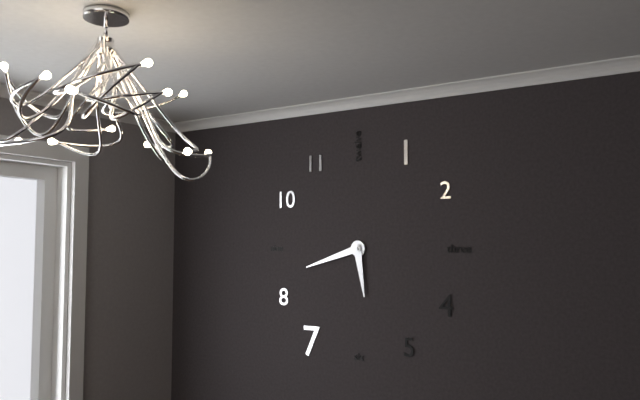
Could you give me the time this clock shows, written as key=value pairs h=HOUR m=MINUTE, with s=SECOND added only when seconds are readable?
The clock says h=5 m=42
